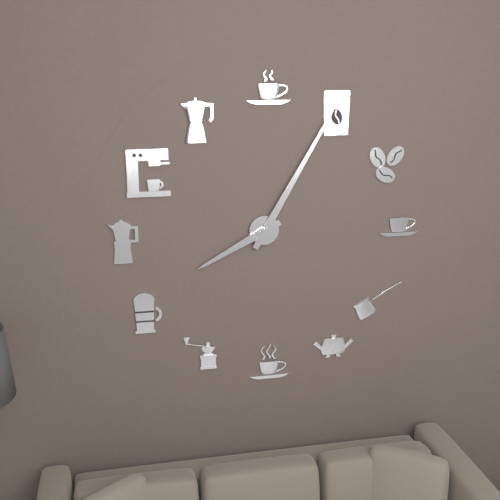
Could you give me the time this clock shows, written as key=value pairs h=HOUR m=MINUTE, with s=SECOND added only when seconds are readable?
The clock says h=8 m=5
